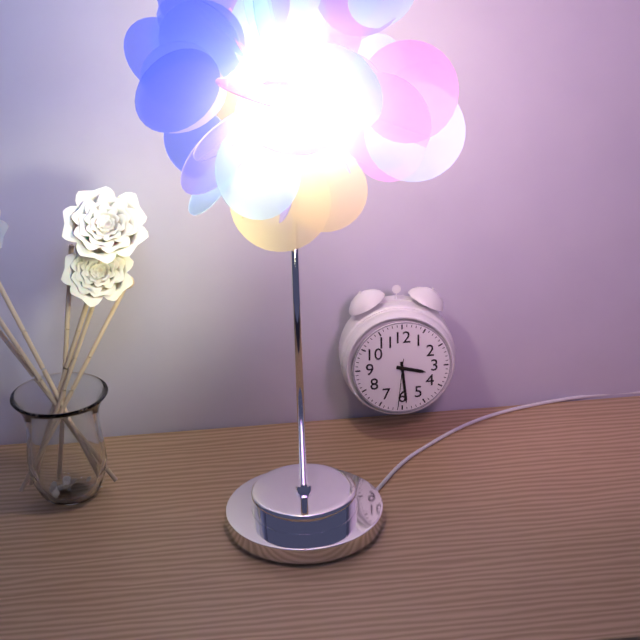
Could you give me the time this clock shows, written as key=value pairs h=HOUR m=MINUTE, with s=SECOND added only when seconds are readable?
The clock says h=3 m=29
